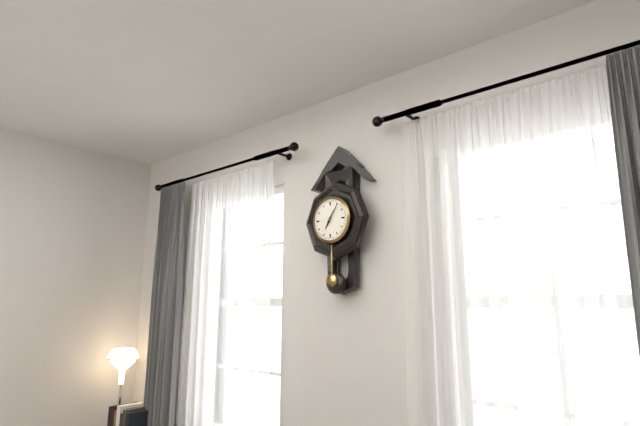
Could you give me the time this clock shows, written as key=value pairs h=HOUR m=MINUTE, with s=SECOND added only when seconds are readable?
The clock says h=7 m=6
